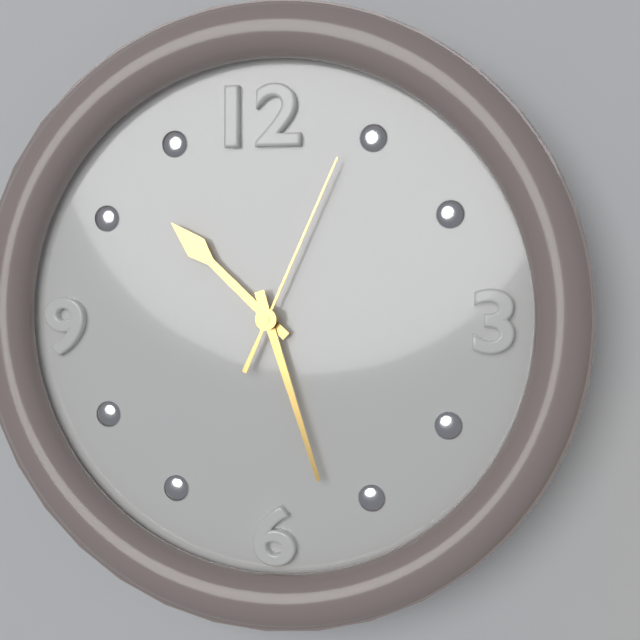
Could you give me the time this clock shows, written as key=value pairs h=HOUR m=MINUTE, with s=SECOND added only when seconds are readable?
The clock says h=10 m=27 s=4
